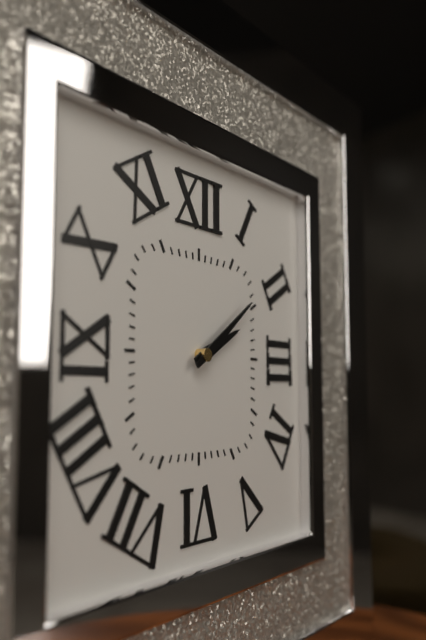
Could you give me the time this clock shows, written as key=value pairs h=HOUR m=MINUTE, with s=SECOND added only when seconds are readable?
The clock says h=2 m=9
